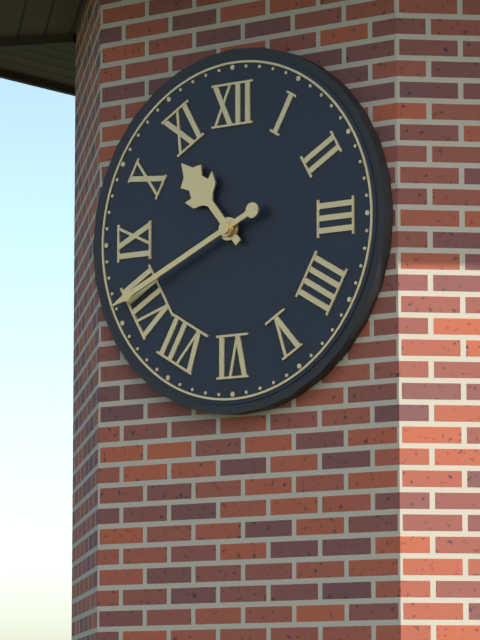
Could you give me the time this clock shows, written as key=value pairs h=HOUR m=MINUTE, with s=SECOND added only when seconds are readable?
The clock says h=10 m=41
